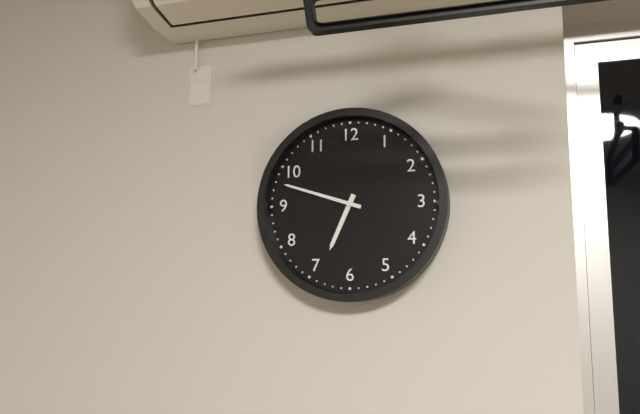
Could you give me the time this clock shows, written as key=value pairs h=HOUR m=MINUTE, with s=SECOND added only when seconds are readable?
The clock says h=6 m=48
